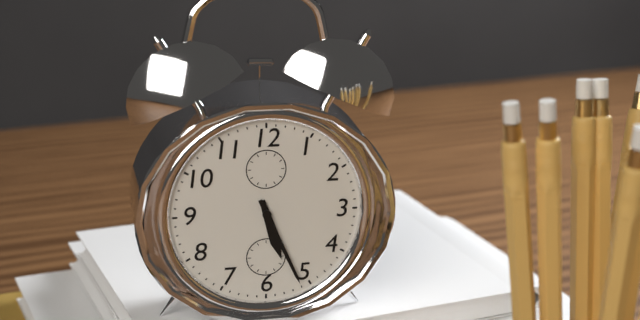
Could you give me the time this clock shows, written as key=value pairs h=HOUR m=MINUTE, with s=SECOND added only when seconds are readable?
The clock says h=5 m=26
